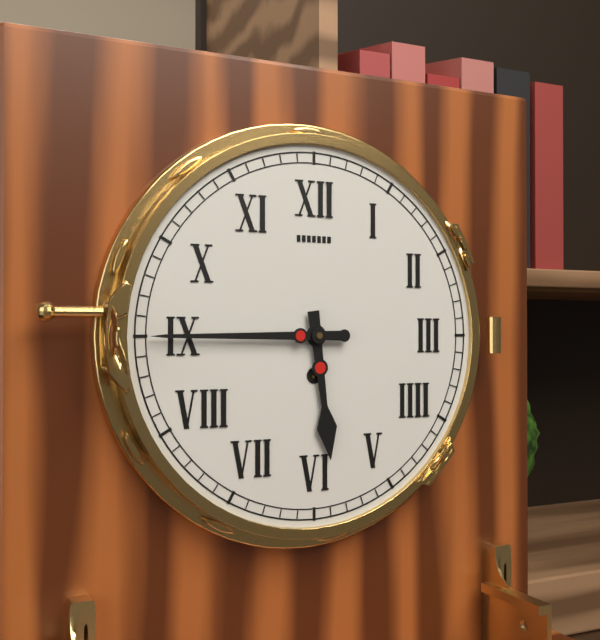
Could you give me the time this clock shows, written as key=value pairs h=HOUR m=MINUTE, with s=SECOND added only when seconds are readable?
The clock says h=5 m=45
